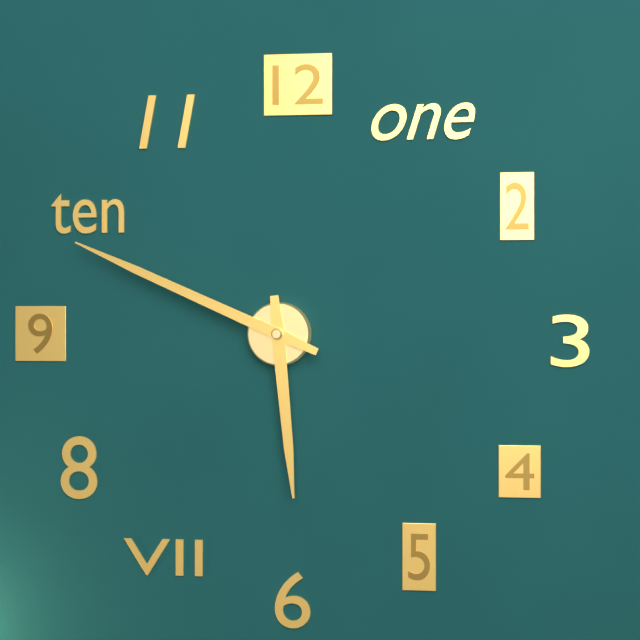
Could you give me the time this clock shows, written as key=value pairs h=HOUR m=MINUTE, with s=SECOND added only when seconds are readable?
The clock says h=5 m=49
